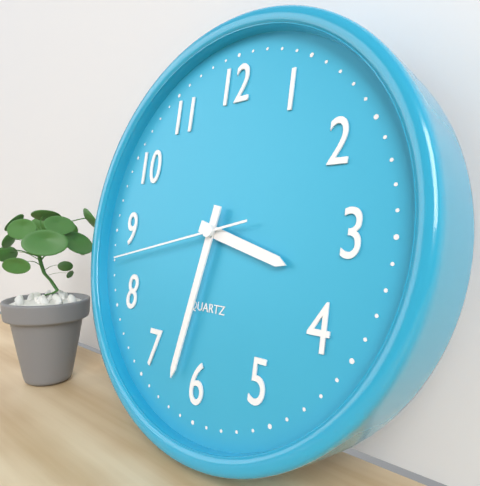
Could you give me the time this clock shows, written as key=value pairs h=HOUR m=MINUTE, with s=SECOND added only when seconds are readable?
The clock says h=3 m=32 s=43
